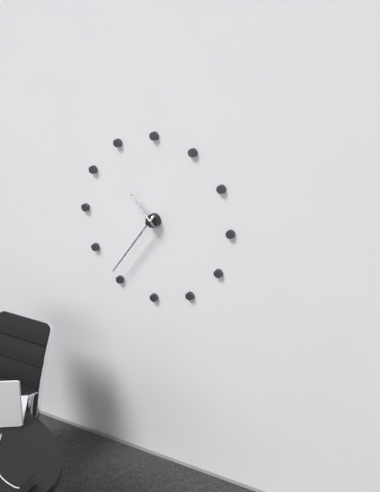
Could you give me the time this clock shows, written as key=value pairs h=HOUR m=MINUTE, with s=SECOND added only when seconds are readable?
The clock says h=10 m=36
